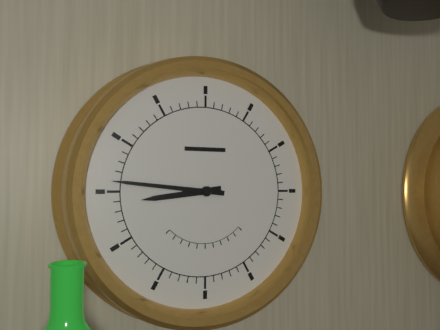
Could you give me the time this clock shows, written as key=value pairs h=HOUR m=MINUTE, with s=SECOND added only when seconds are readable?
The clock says h=8 m=46
